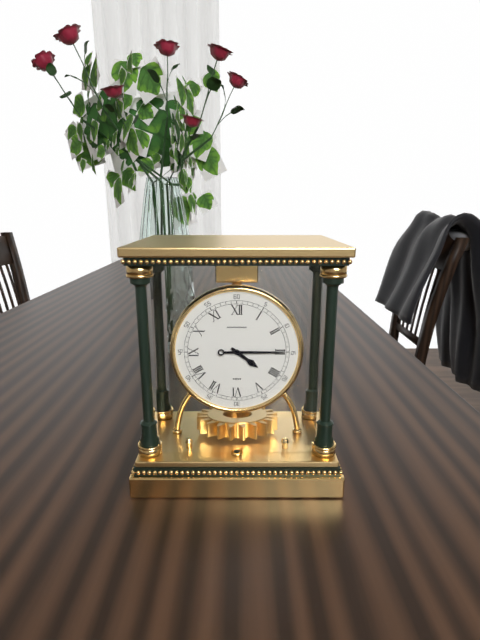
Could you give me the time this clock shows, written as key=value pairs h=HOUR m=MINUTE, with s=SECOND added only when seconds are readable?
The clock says h=4 m=15
